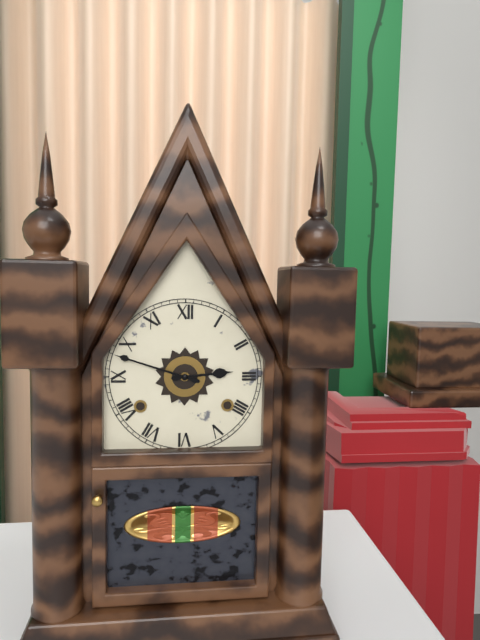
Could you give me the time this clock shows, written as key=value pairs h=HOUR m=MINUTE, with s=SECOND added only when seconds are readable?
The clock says h=2 m=48
